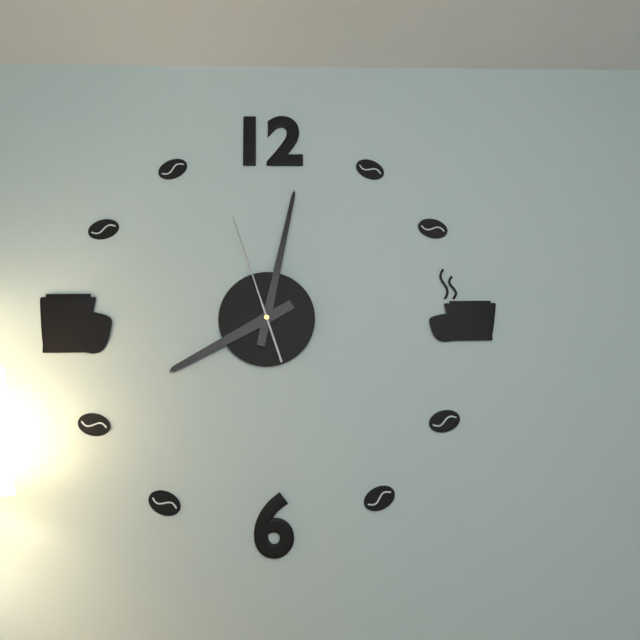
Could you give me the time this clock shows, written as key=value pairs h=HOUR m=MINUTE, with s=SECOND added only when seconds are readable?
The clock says h=8 m=2 s=57
